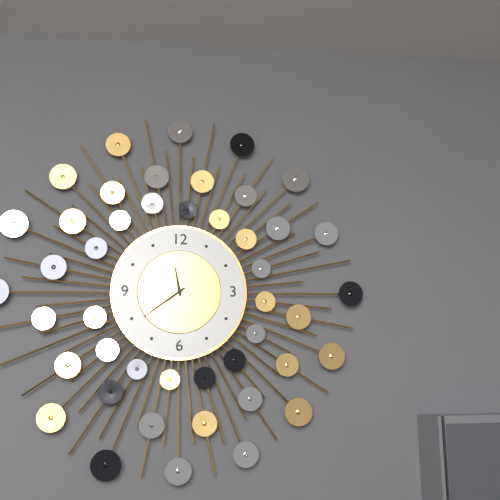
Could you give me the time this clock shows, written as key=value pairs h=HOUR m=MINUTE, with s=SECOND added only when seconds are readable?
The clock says h=11 m=39
